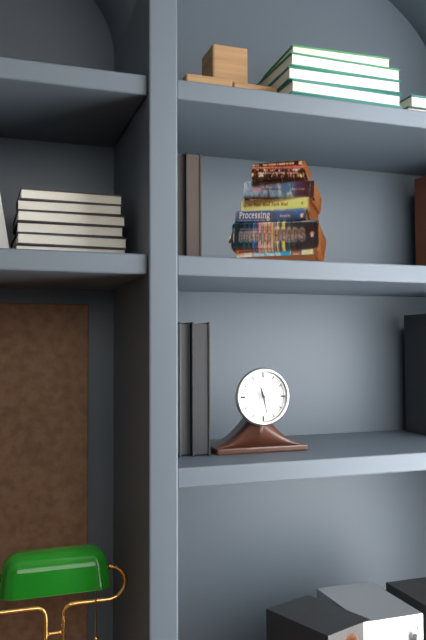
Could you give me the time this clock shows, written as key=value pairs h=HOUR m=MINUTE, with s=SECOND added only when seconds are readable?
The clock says h=11 m=28
